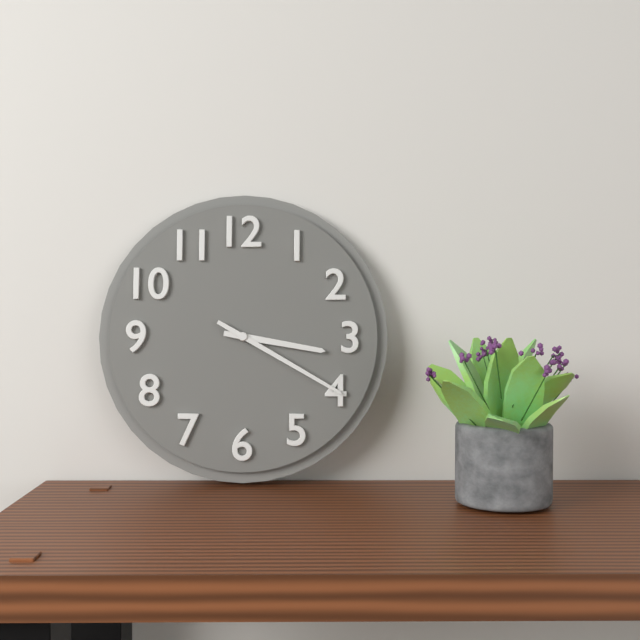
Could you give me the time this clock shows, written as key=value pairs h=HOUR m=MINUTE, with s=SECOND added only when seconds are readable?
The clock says h=3 m=20
